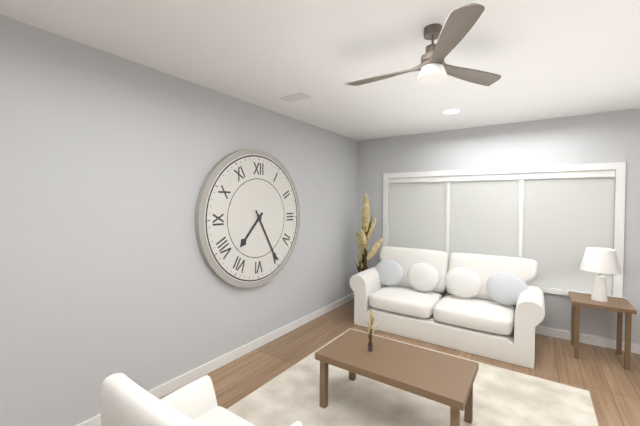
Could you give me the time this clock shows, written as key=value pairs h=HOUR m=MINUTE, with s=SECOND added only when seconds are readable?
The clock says h=7 m=25
